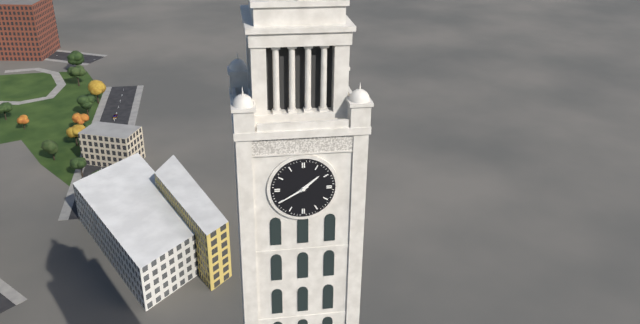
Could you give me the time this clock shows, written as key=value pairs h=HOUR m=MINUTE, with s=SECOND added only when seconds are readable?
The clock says h=1 m=40
